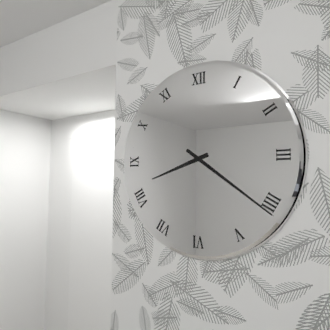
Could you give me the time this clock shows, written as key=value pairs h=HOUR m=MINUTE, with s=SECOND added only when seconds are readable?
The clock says h=8 m=21
